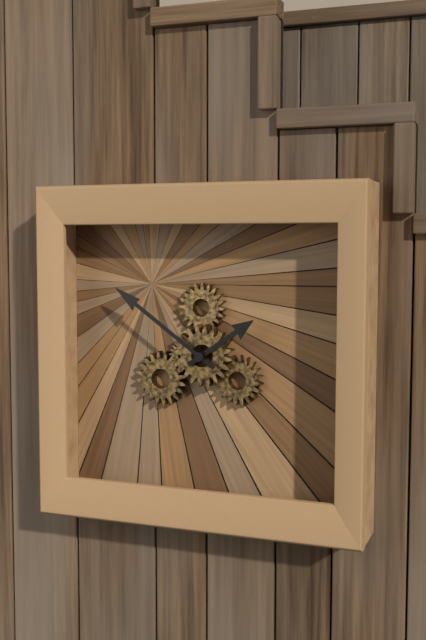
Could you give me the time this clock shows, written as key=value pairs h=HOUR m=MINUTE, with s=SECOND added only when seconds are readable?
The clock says h=1 m=51
